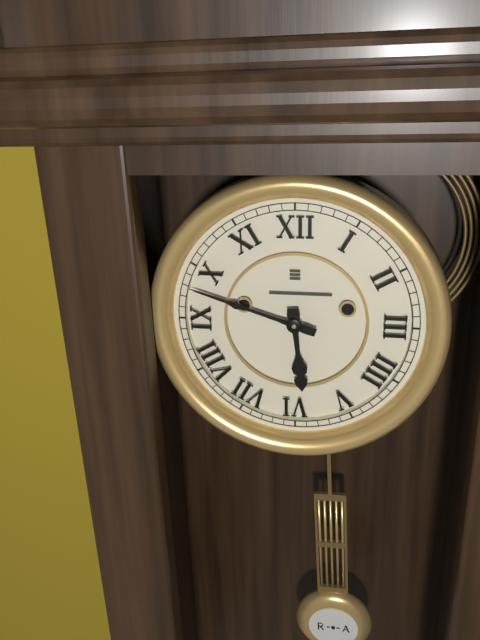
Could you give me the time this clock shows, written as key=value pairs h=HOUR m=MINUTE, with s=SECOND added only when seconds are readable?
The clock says h=5 m=48
